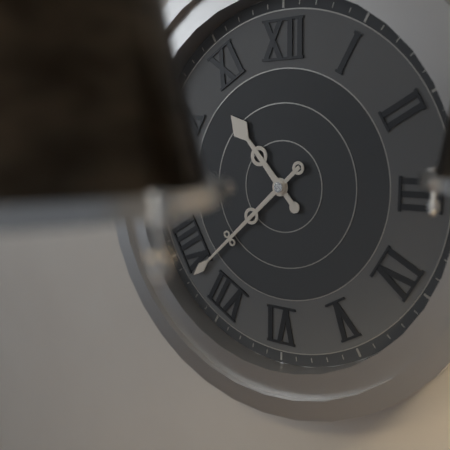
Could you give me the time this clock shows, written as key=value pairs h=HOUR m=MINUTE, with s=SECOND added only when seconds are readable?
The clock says h=10 m=38
